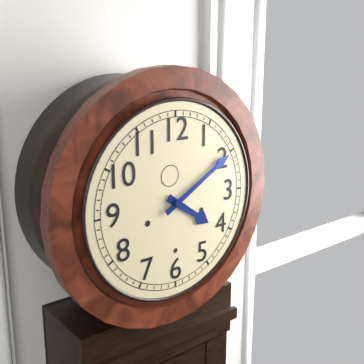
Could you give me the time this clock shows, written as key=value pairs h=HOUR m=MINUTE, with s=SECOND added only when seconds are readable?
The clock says h=4 m=10
